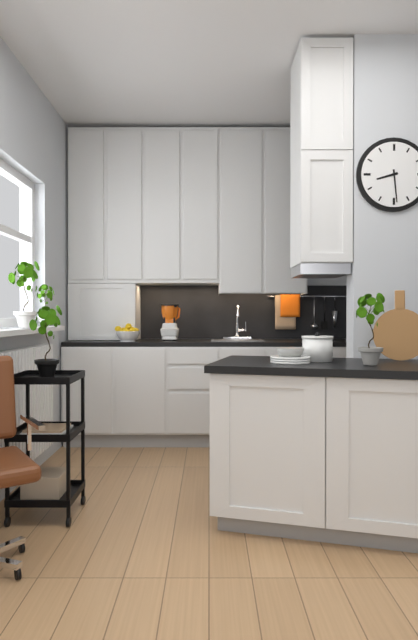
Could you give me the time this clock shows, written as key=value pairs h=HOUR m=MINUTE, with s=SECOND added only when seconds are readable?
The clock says h=8 m=29
